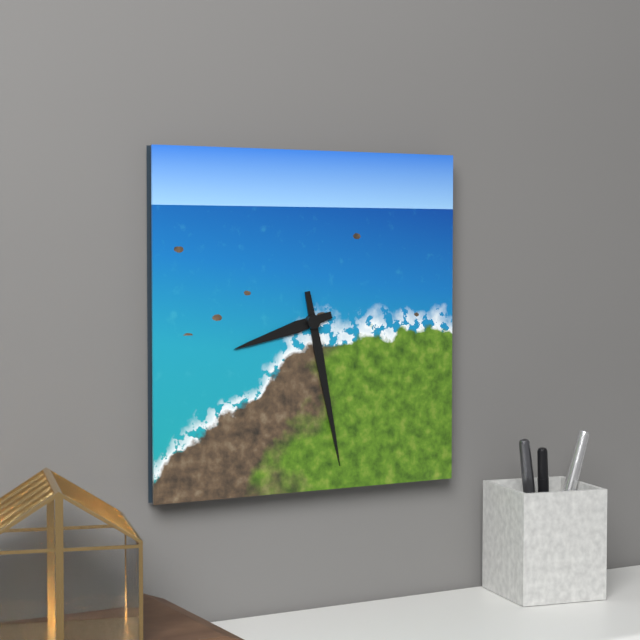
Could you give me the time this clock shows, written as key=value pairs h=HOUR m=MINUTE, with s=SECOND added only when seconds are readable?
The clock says h=8 m=28
